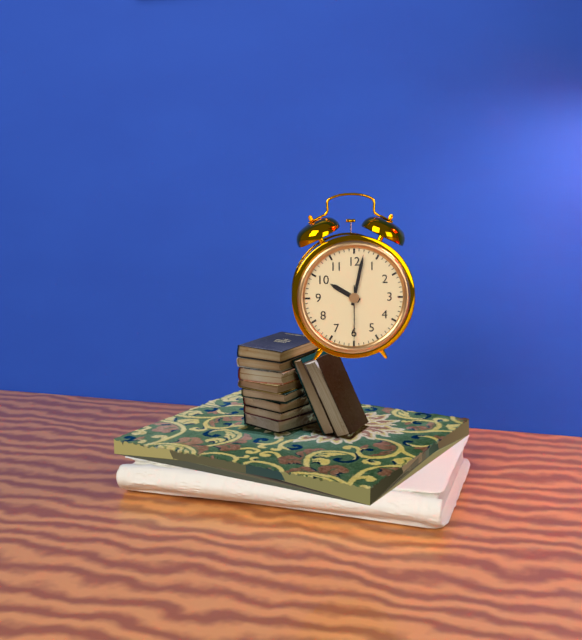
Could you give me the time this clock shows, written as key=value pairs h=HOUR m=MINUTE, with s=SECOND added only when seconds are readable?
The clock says h=10 m=2 s=30
